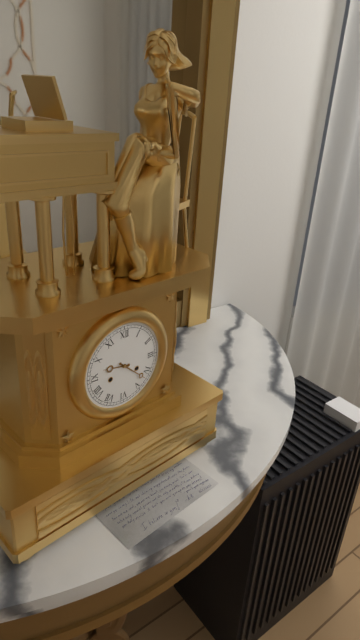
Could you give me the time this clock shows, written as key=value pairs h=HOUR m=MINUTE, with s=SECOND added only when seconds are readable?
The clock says h=9 m=22
